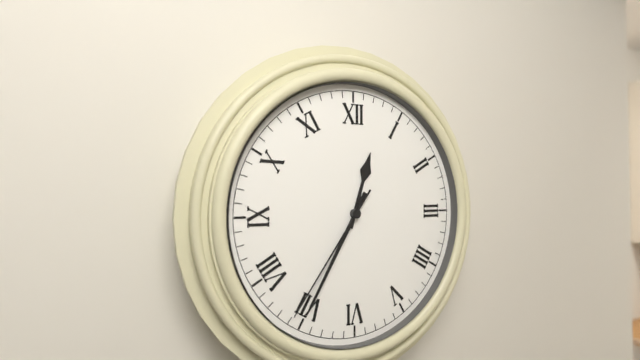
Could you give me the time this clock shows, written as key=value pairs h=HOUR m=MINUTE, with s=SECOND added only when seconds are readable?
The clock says h=12 m=35 s=36
